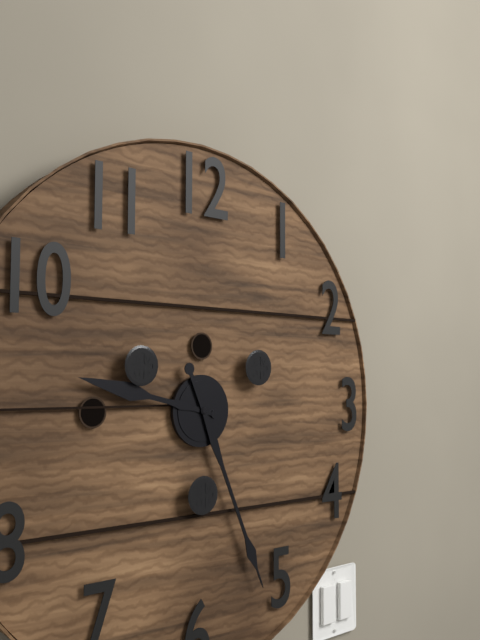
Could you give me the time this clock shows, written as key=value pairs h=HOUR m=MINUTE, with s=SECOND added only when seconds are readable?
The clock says h=9 m=26
